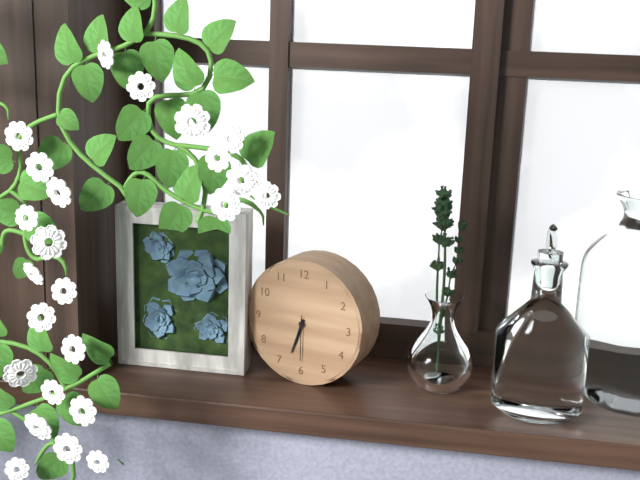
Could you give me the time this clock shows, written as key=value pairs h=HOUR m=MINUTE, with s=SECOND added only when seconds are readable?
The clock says h=6 m=33 s=30
